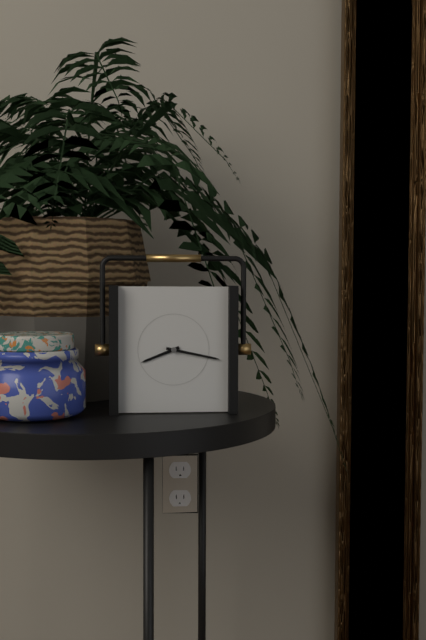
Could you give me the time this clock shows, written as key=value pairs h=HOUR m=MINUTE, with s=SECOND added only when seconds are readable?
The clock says h=8 m=17
